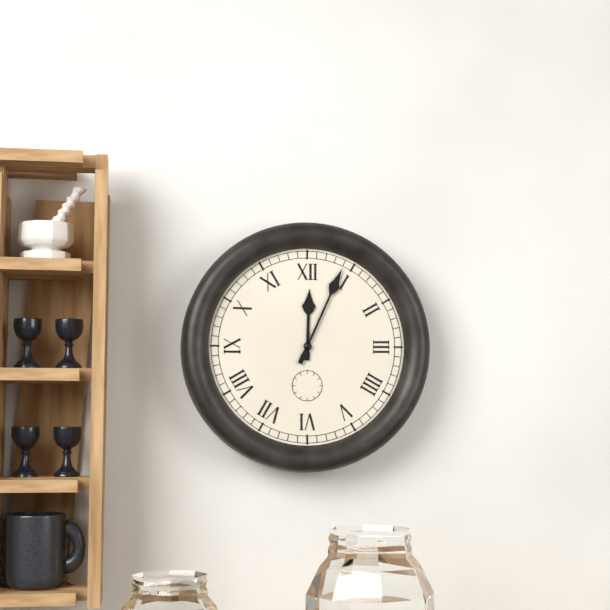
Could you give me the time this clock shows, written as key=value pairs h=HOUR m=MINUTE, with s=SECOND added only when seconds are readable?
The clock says h=12 m=4
